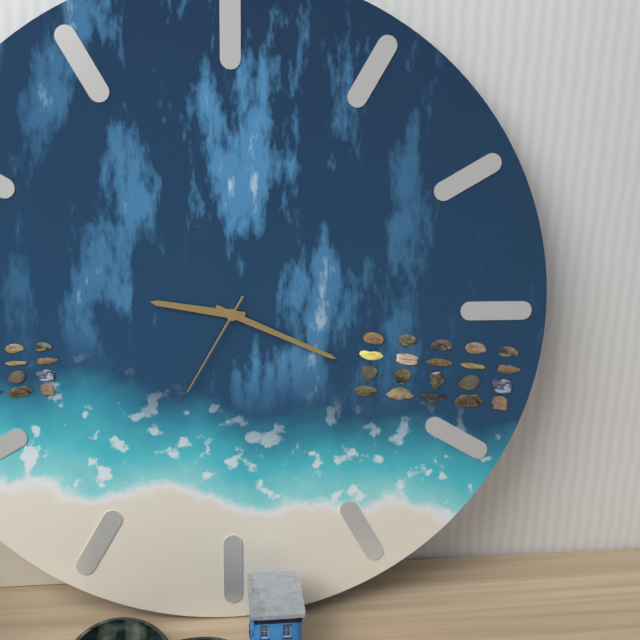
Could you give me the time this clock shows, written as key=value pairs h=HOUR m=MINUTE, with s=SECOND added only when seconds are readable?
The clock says h=9 m=19 s=35
